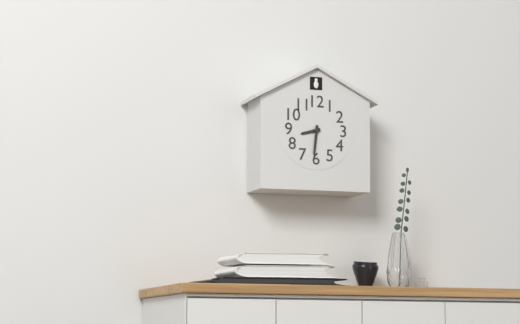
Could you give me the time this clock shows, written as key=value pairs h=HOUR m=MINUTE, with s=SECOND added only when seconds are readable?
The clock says h=8 m=31
